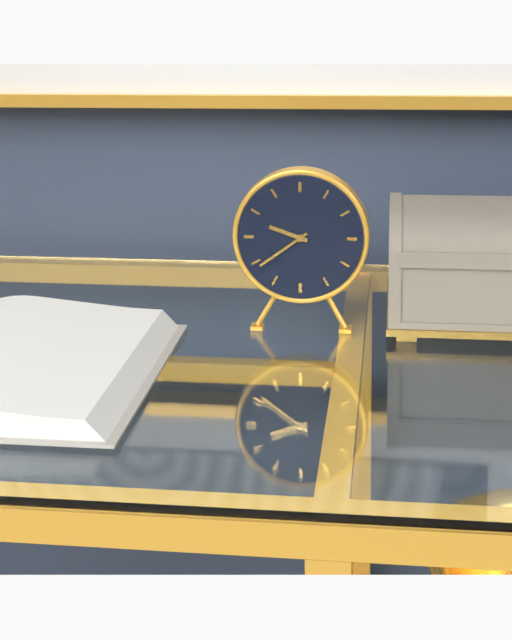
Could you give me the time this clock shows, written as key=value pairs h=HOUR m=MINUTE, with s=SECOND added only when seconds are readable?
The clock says h=9 m=39
